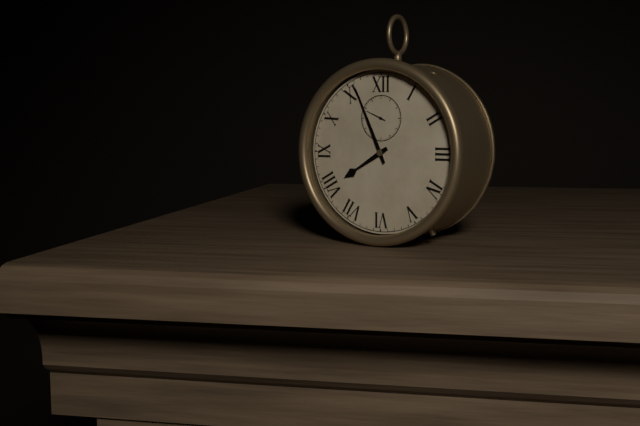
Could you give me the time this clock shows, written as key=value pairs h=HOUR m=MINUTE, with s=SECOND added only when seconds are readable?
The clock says h=7 m=56
